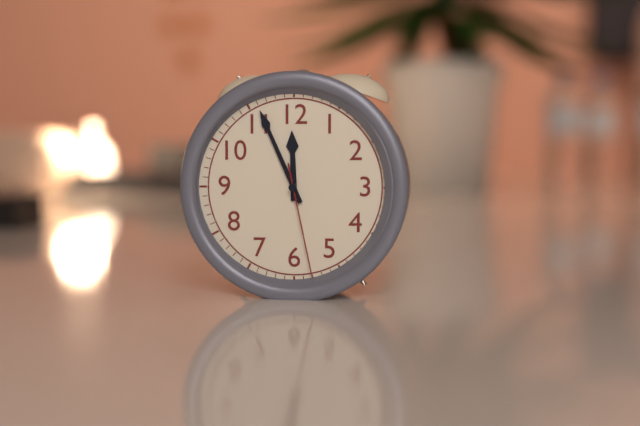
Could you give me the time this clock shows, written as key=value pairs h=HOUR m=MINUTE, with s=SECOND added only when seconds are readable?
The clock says h=11 m=56 s=28
